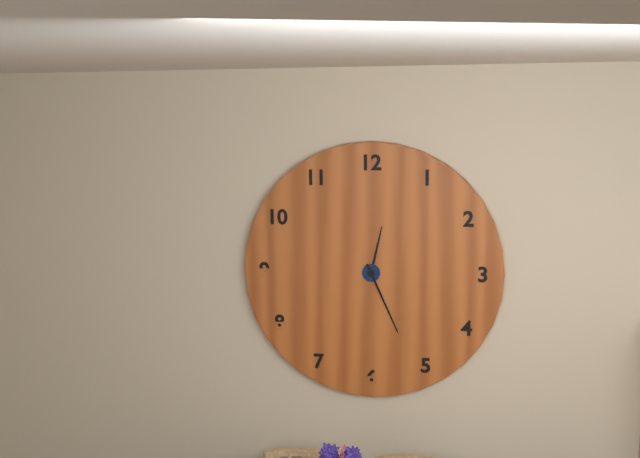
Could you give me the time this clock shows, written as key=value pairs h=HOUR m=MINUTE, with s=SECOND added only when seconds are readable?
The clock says h=12 m=26
